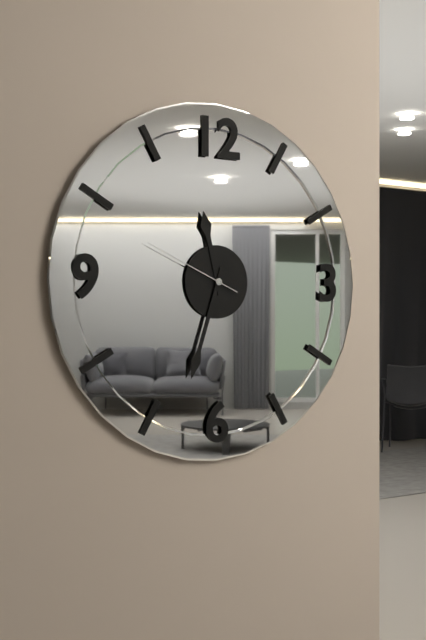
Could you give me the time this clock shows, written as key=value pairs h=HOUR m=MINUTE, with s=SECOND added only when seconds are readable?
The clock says h=11 m=33 s=49
